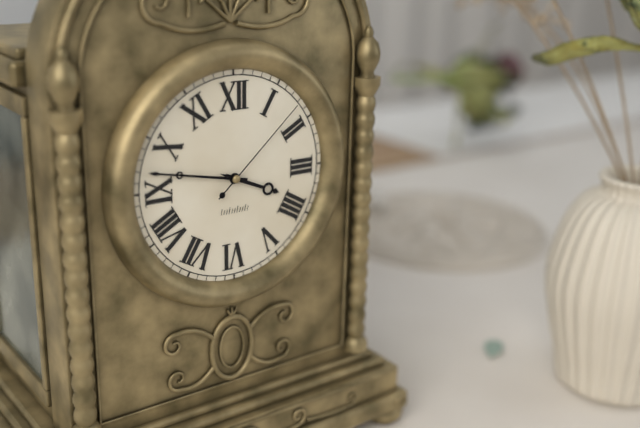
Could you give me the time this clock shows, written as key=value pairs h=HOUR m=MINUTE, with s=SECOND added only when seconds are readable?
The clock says h=3 m=47 s=8
